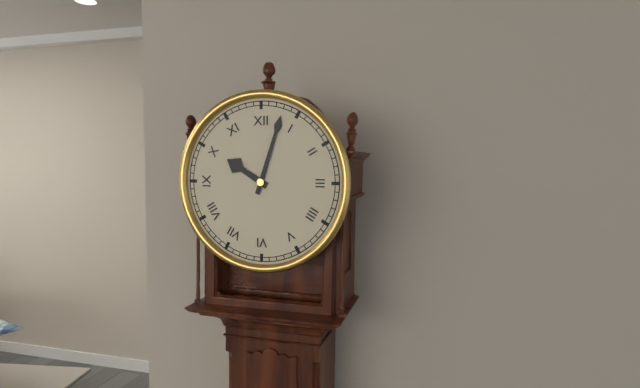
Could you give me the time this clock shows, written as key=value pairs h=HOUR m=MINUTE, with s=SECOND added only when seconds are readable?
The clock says h=10 m=3
